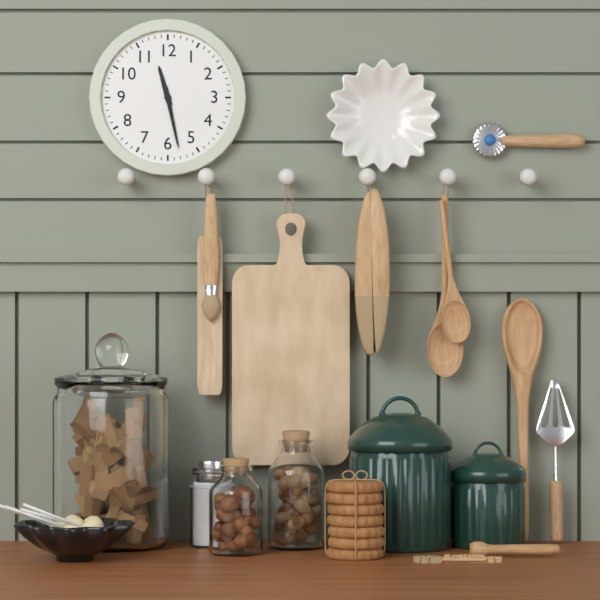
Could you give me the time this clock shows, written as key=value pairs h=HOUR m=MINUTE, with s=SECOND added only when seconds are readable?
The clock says h=11 m=28
